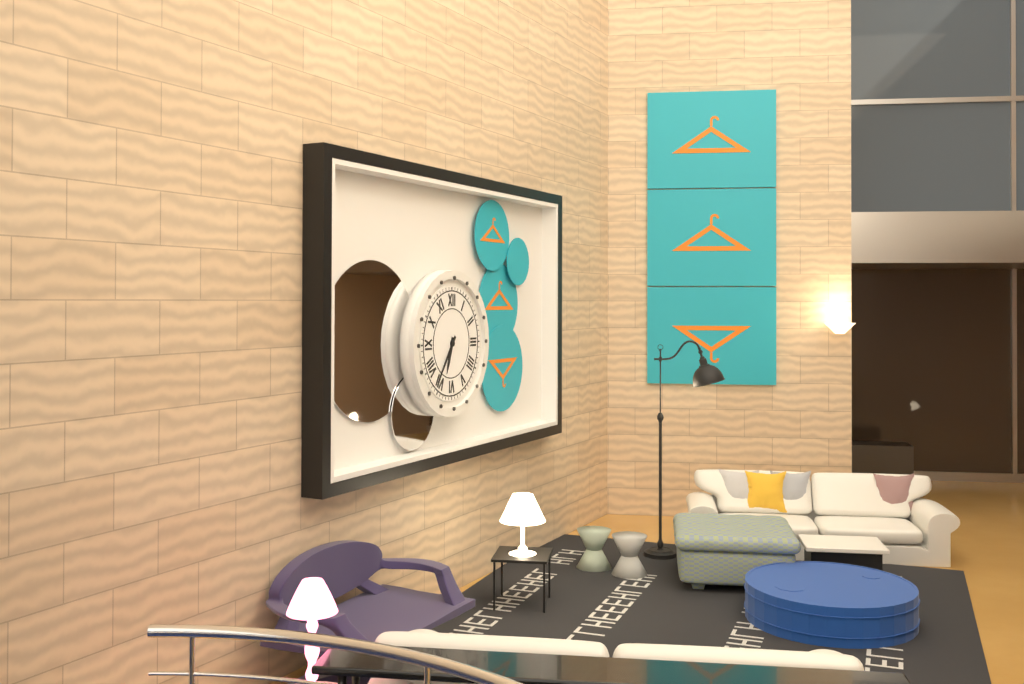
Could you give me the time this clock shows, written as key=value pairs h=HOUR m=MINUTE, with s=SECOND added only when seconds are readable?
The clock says h=6 m=36
